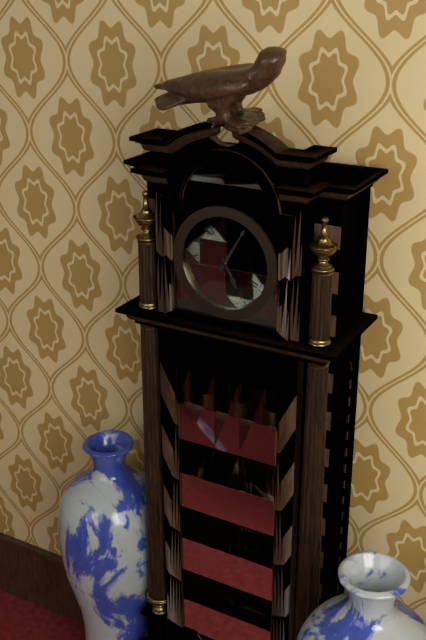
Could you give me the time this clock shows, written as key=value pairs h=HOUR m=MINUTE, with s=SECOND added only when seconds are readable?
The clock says h=5 m=5
